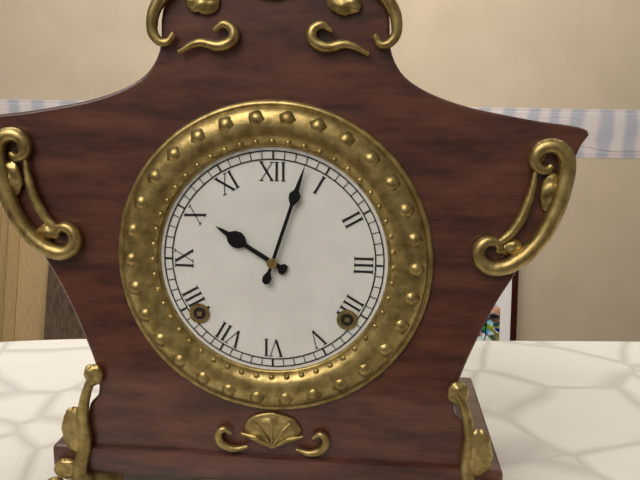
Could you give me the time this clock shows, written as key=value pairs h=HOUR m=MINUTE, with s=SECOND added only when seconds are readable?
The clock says h=10 m=3
